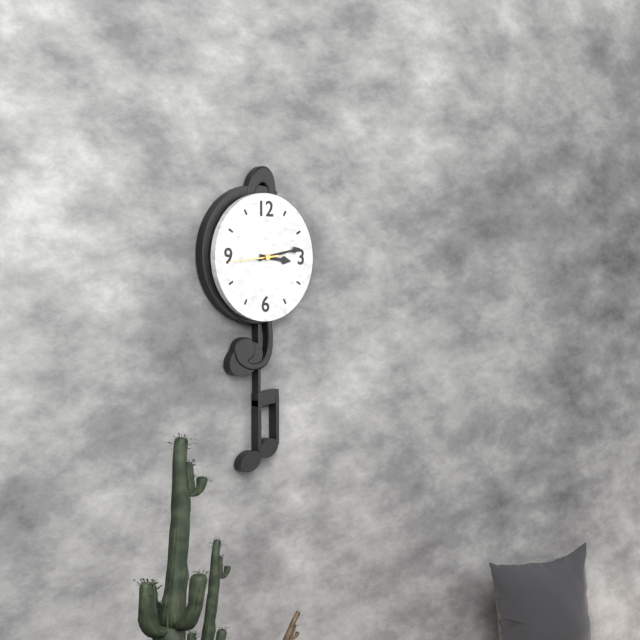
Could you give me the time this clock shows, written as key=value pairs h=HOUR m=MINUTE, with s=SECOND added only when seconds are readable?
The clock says h=3 m=13
